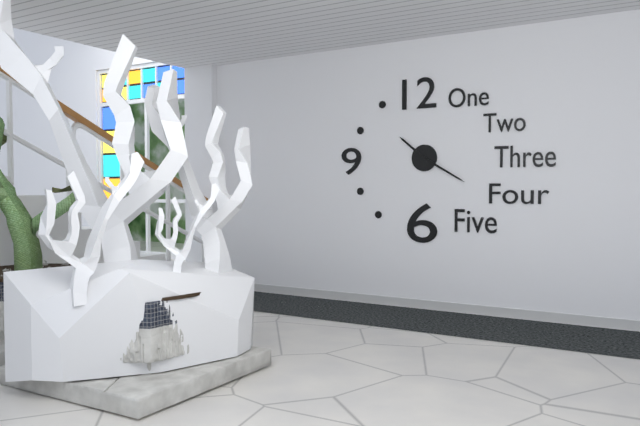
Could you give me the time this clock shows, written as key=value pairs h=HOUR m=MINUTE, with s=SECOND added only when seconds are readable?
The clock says h=10 m=20
